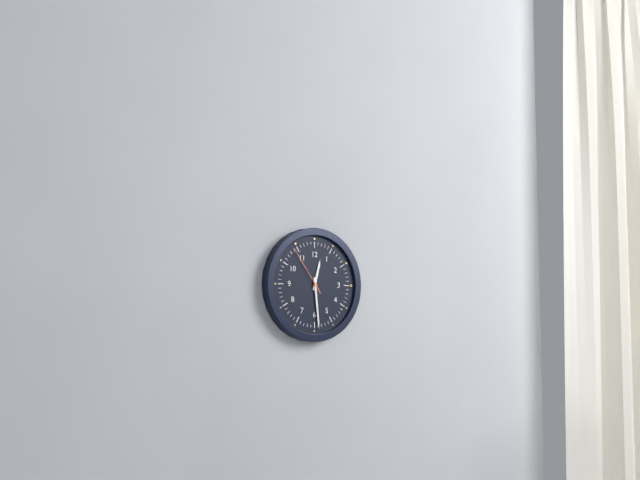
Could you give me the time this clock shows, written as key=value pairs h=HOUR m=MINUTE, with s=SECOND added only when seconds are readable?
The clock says h=12 m=29 s=54
